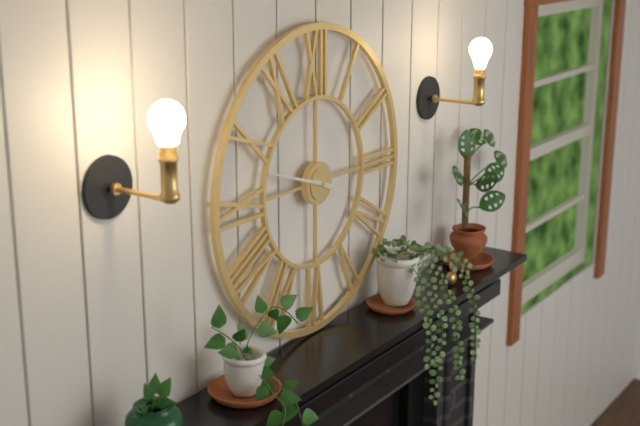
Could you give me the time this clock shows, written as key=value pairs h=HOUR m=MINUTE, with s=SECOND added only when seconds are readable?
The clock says h=3 m=48
